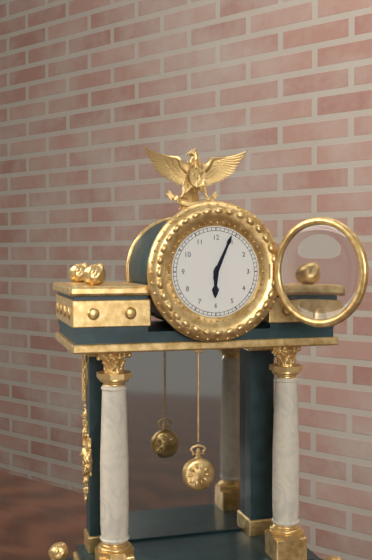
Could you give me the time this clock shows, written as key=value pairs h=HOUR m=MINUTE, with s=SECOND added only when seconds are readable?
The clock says h=6 m=4
